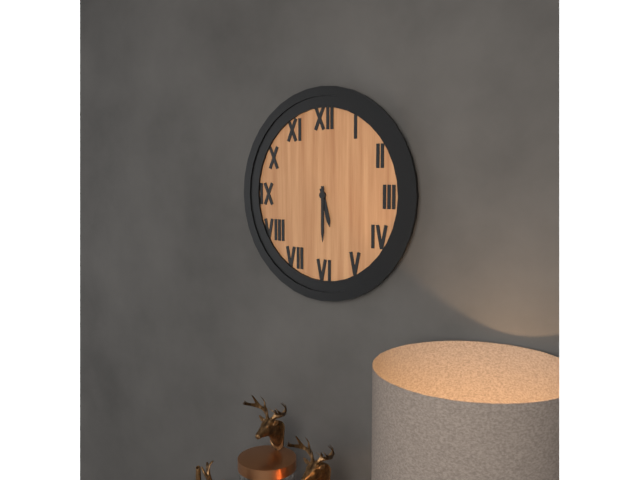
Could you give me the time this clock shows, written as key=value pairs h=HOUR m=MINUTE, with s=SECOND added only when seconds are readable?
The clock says h=5 m=30
